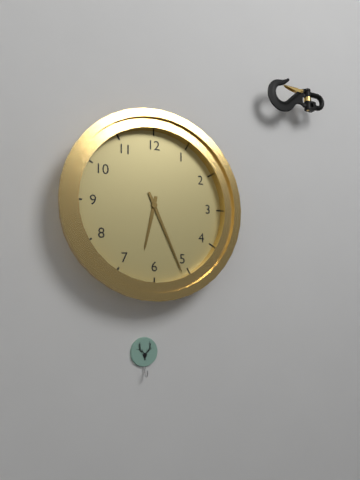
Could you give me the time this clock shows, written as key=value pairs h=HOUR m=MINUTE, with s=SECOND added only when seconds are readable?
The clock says h=6 m=26
